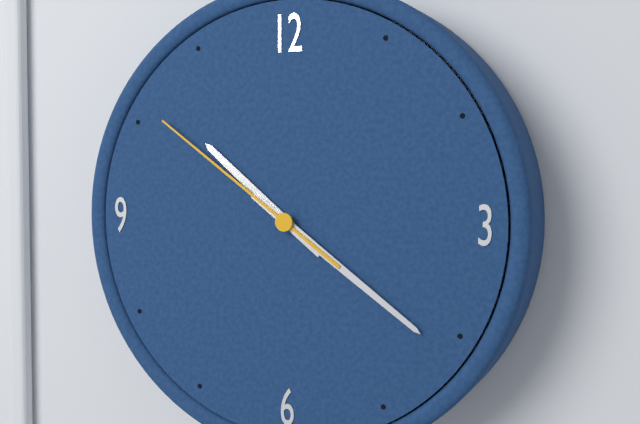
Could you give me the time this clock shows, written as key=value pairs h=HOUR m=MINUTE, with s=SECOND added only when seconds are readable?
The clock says h=10 m=21 s=51
